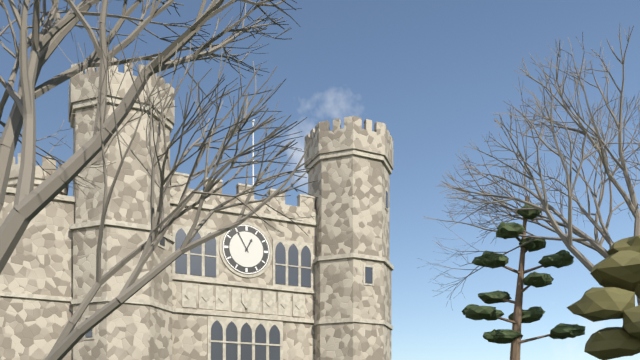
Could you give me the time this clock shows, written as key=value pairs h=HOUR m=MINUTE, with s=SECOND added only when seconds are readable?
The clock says h=12 m=55
